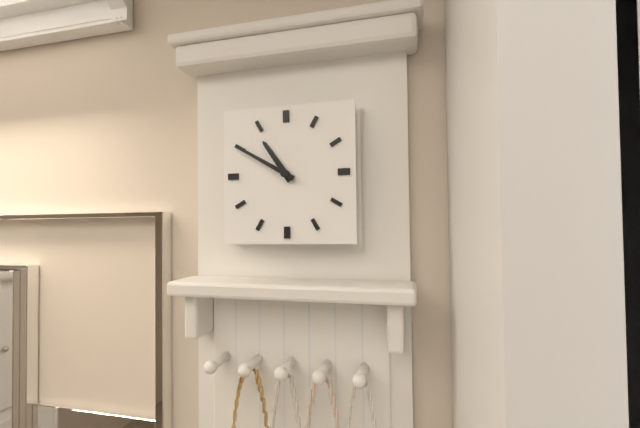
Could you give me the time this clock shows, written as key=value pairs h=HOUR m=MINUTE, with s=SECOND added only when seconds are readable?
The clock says h=10 m=50
